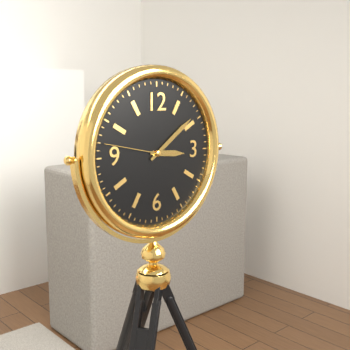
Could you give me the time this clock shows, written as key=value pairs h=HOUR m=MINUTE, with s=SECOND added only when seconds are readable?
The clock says h=3 m=9 s=47
